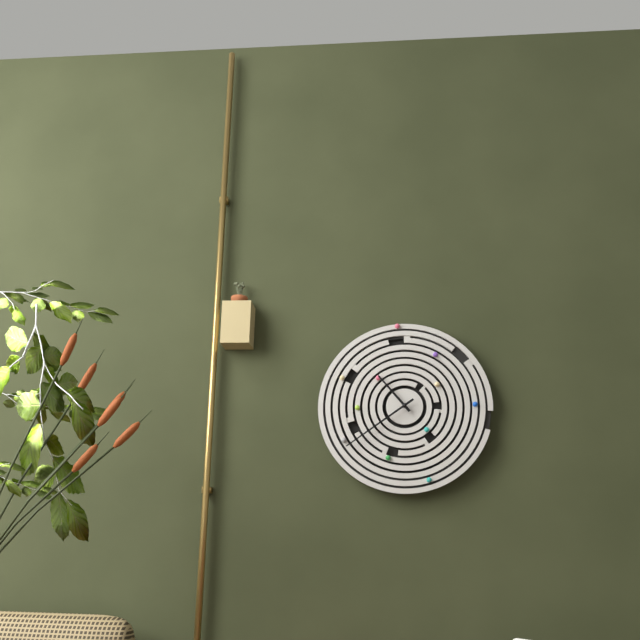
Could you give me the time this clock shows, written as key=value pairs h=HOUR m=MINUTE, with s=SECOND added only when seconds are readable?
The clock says h=10 m=39
